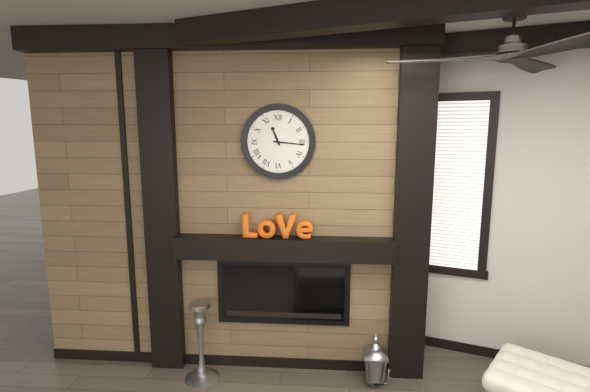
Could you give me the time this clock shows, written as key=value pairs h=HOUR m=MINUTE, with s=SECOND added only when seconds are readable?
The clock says h=11 m=16
